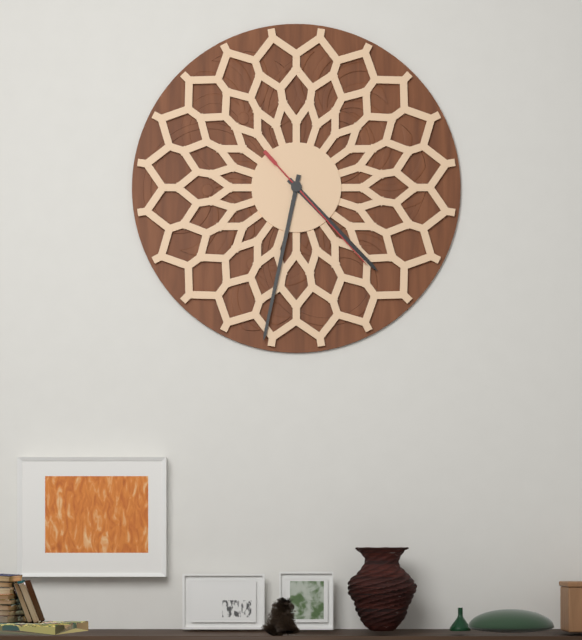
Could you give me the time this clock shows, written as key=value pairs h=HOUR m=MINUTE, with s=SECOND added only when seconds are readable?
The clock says h=4 m=32 s=23
